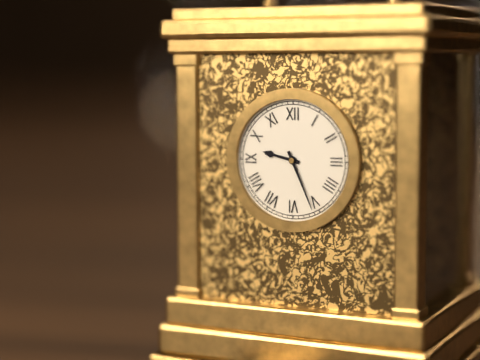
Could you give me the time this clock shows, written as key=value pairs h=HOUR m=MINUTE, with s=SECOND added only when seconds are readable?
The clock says h=9 m=26
